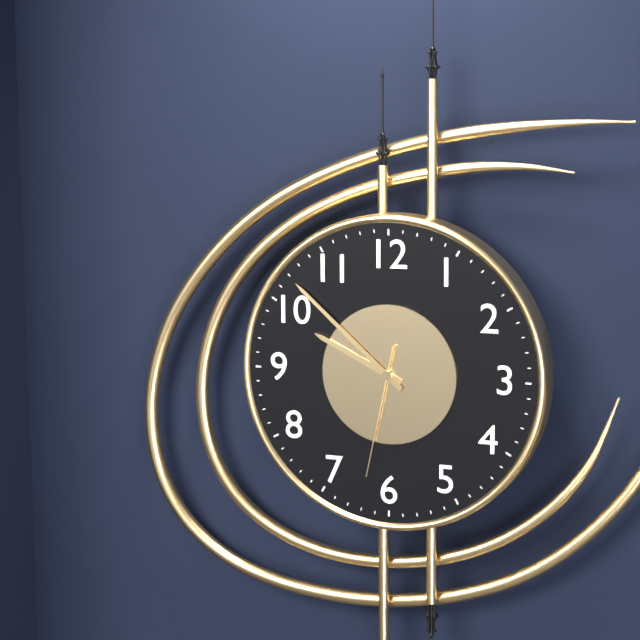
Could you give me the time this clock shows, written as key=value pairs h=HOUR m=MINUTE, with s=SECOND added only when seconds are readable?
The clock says h=9 m=52 s=32
